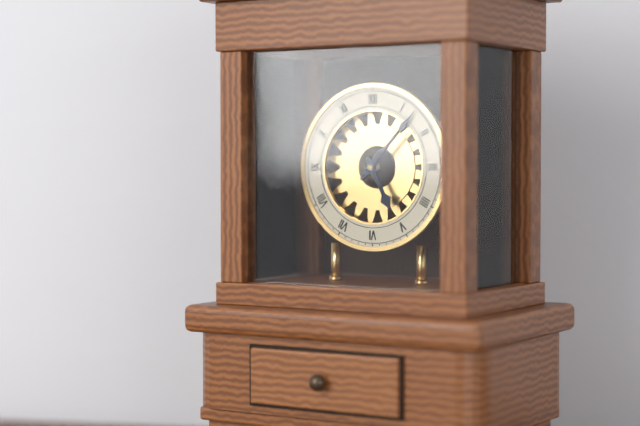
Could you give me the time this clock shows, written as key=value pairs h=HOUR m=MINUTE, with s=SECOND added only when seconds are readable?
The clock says h=5 m=7
